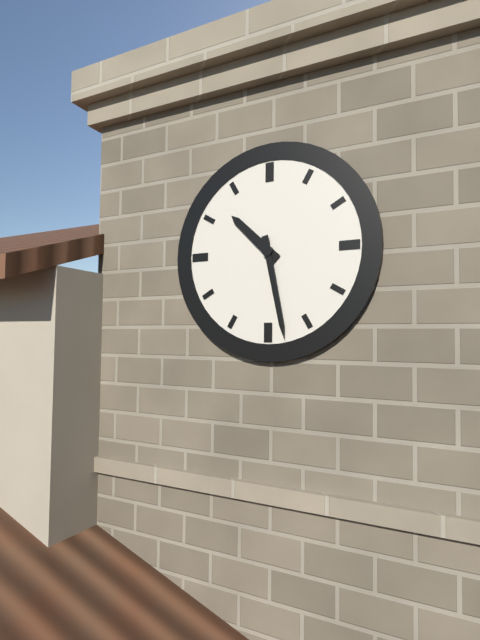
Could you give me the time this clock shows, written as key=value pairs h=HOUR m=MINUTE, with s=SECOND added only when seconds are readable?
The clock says h=10 m=28
